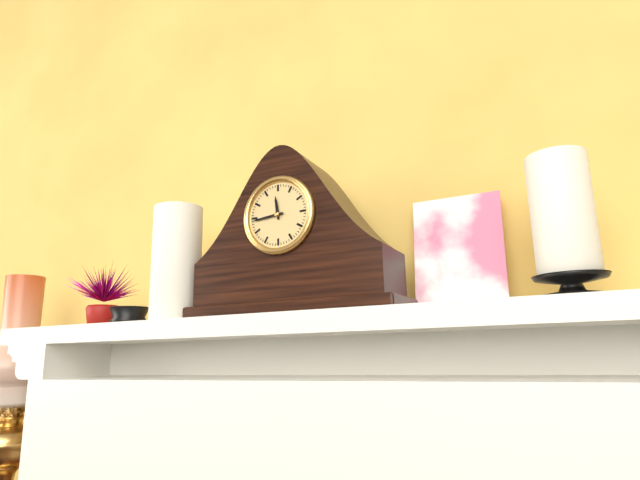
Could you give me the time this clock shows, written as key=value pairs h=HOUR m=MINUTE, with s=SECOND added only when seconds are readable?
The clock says h=11 m=44
